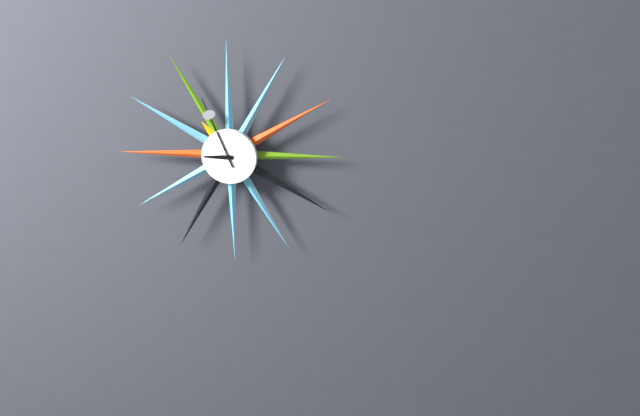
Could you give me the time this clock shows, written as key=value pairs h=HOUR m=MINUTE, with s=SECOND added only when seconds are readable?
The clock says h=8 m=56
